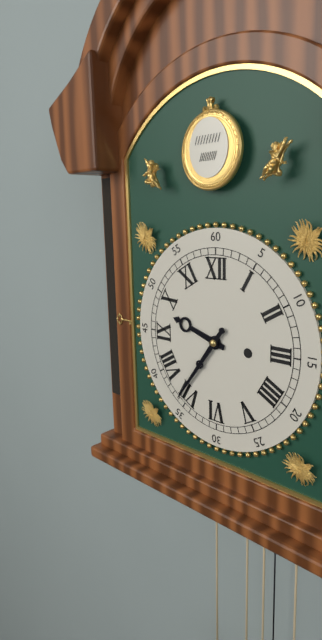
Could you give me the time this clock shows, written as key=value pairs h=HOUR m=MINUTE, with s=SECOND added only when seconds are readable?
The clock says h=9 m=36
